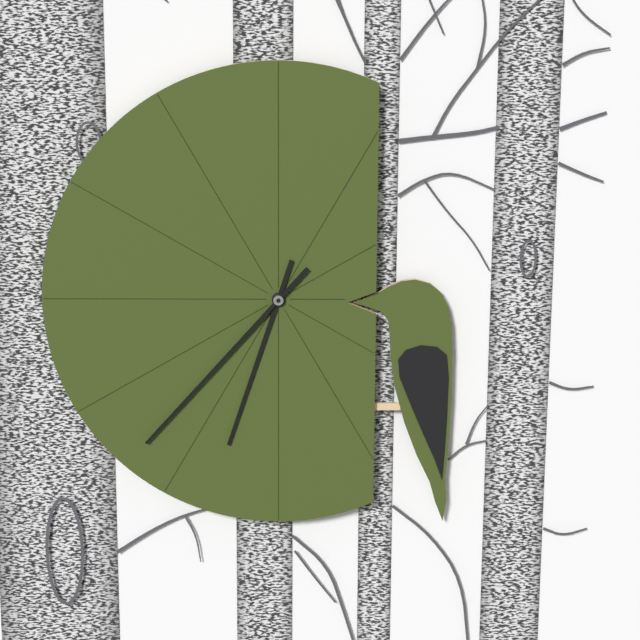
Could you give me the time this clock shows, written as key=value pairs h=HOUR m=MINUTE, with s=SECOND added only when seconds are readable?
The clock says h=6 m=37
